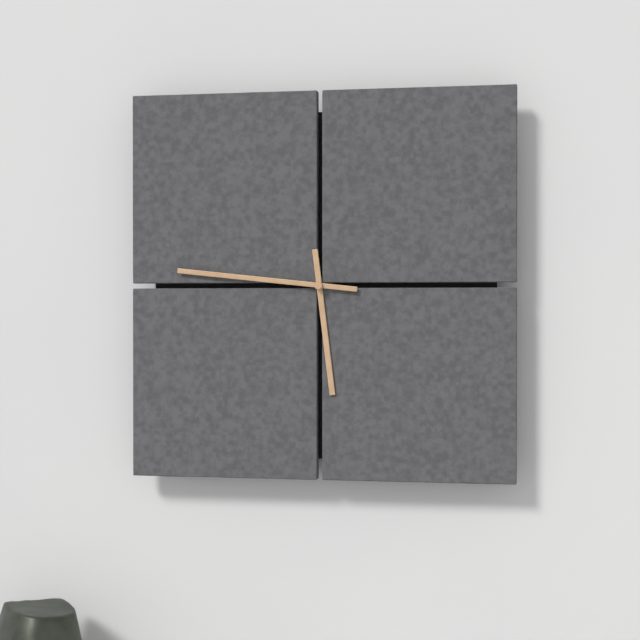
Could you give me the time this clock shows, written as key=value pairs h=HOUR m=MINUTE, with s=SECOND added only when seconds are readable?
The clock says h=5 m=46
